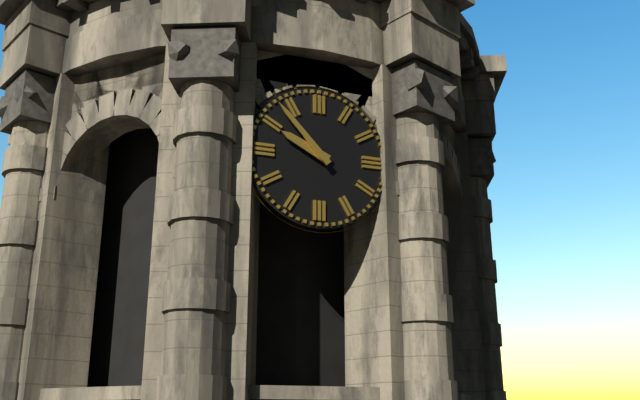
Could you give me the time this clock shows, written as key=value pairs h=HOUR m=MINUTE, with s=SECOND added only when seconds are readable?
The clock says h=9 m=53
